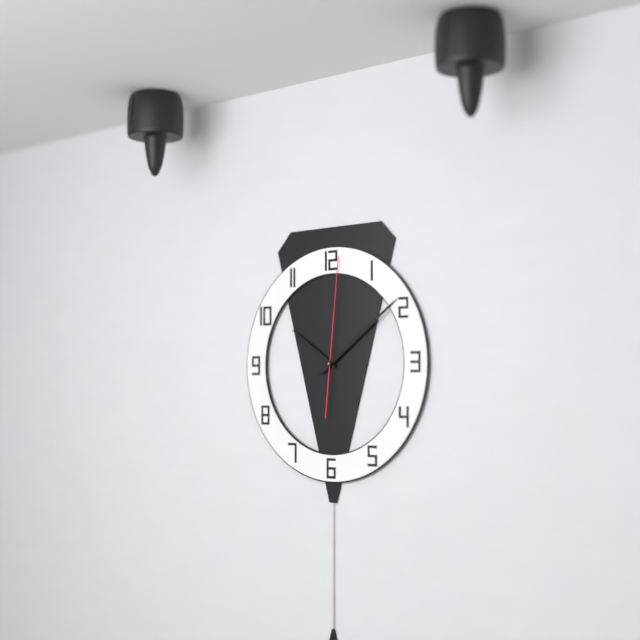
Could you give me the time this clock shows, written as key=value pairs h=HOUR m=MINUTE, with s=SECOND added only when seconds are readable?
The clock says h=10 m=9 s=1
